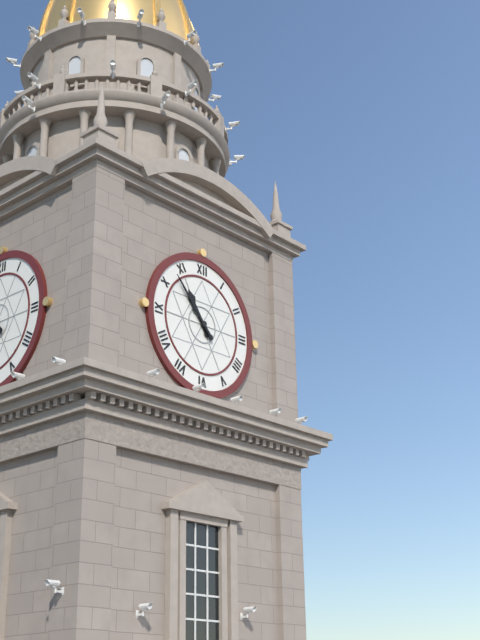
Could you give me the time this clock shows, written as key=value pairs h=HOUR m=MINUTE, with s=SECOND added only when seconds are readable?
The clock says h=10 m=53
